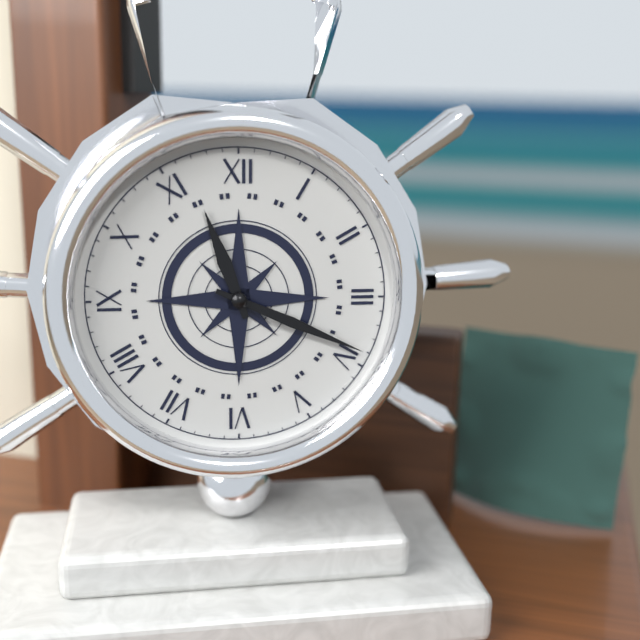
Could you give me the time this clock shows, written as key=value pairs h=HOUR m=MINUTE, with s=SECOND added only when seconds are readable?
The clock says h=11 m=19
